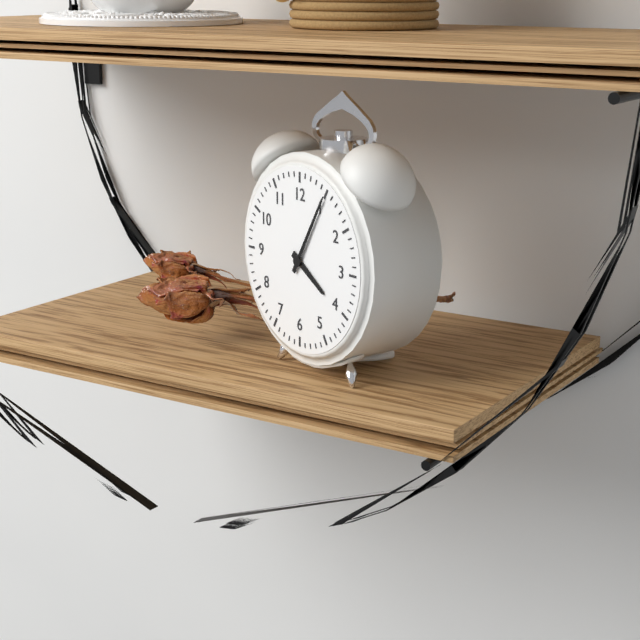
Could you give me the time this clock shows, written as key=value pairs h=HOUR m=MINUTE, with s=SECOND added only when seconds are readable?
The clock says h=4 m=5
